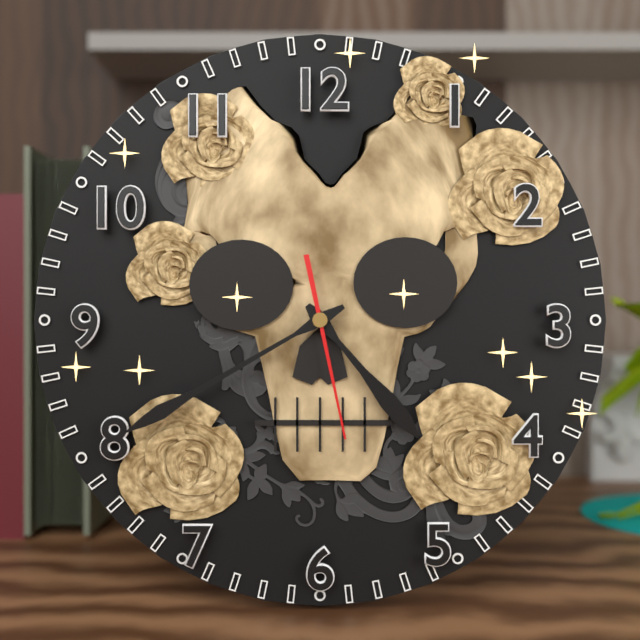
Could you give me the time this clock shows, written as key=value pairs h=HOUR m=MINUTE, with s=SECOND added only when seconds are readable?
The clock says h=4 m=40 s=28
